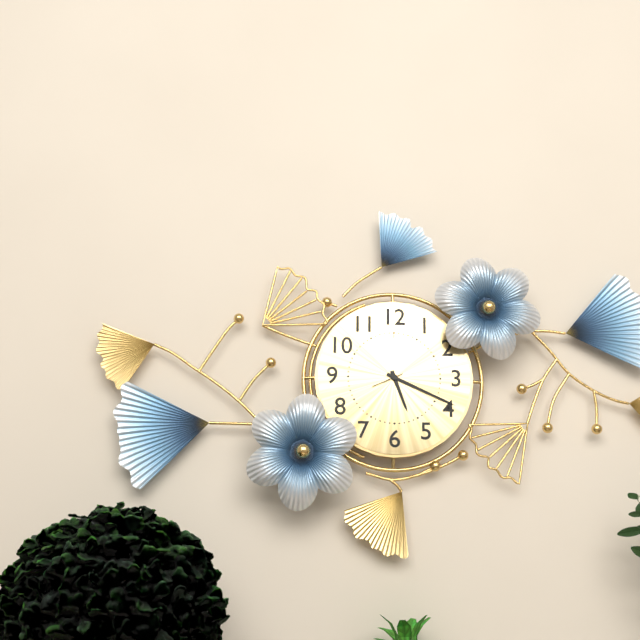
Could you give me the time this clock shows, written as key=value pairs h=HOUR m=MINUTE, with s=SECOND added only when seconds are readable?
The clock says h=5 m=19
